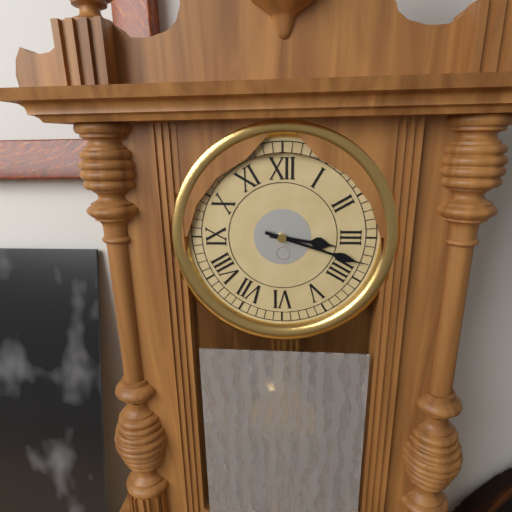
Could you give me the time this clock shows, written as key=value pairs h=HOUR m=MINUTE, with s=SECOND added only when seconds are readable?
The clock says h=3 m=18
